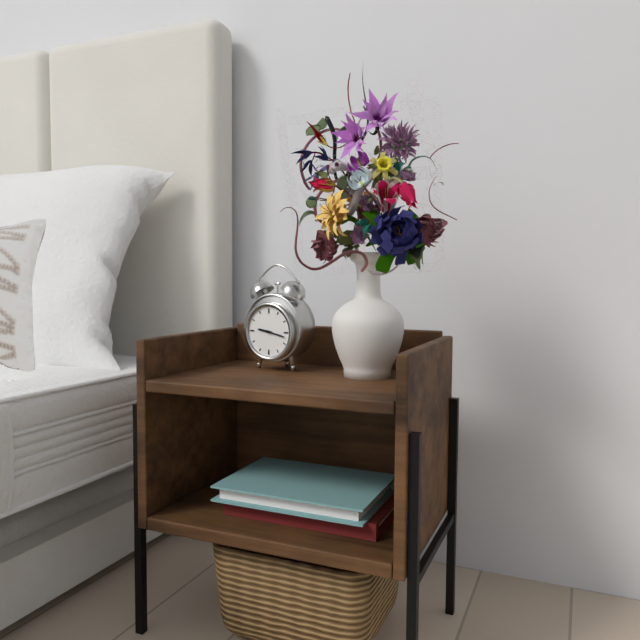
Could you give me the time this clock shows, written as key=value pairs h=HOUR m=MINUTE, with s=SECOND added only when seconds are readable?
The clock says h=9 m=17
